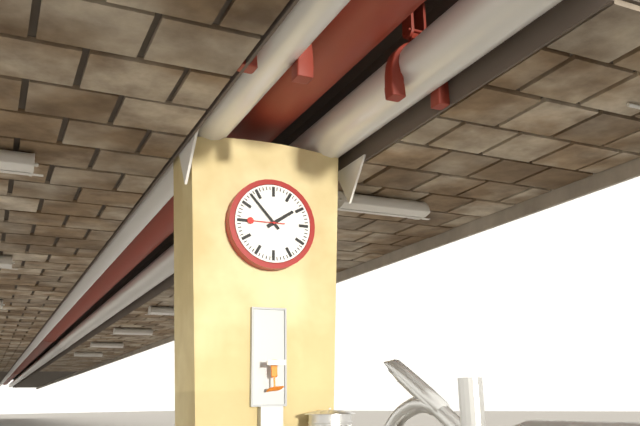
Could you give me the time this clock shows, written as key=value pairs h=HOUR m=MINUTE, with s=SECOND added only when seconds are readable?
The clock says h=1 m=53
